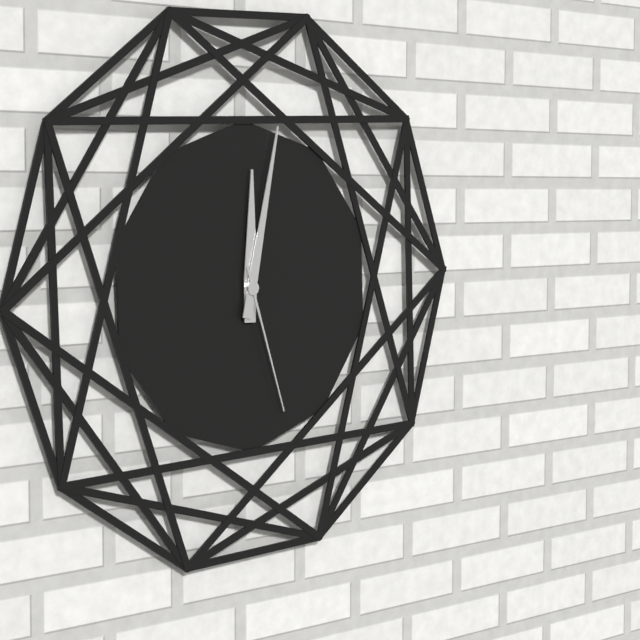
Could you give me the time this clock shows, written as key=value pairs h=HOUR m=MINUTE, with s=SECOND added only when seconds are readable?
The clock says h=12 m=2 s=27
